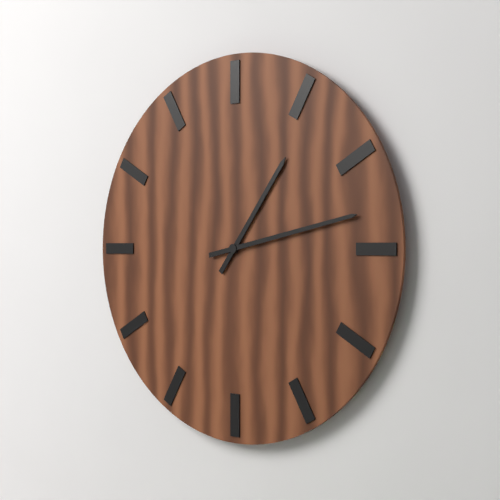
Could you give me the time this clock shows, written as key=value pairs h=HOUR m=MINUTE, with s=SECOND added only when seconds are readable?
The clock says h=1 m=13
